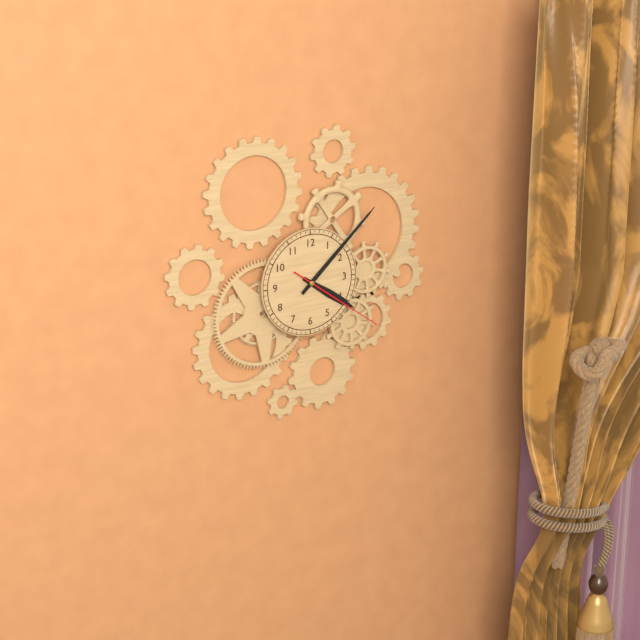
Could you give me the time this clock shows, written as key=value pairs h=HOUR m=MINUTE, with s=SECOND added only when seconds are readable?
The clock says h=4 m=8 s=21
